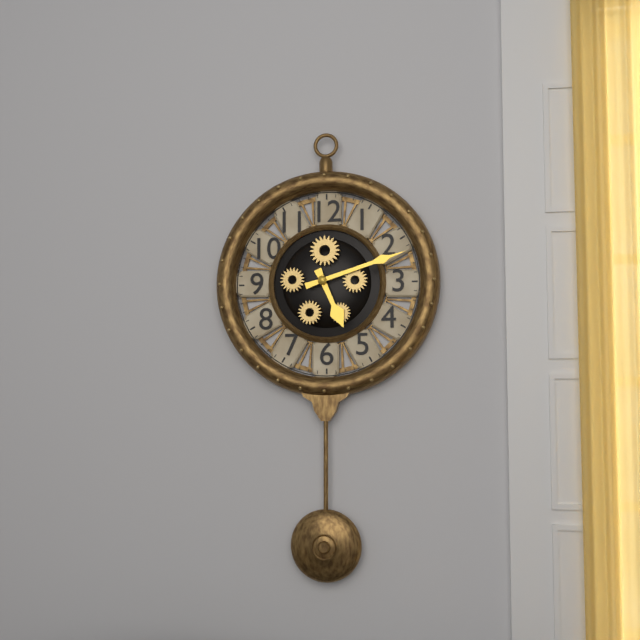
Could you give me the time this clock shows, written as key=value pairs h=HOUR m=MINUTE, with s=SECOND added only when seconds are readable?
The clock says h=5 m=12
